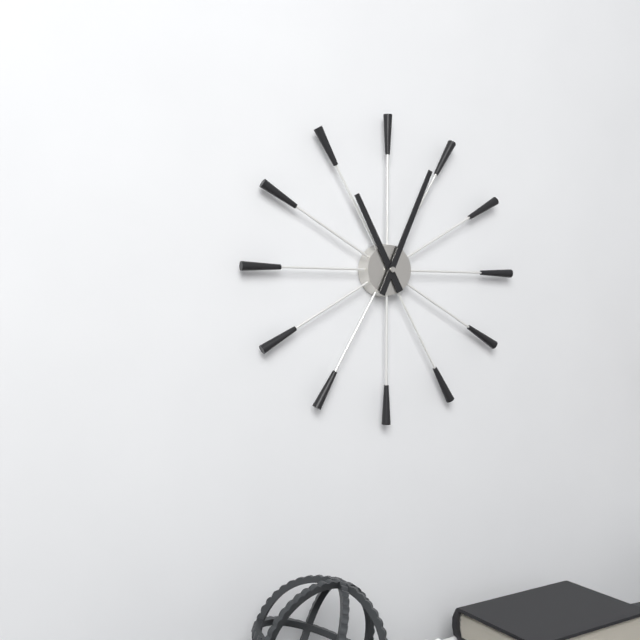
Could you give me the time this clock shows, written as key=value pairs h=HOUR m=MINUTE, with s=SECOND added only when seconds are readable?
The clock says h=11 m=4
